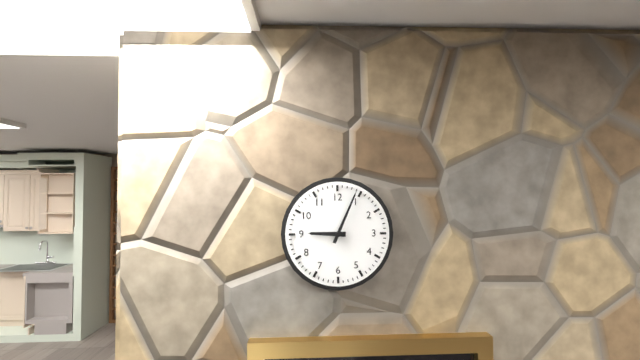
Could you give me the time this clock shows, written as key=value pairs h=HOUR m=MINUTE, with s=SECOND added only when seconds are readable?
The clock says h=9 m=4
